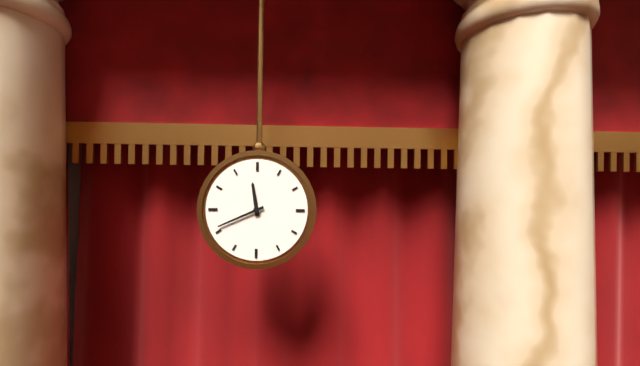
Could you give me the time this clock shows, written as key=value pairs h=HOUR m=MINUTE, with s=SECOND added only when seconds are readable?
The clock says h=11 m=41
